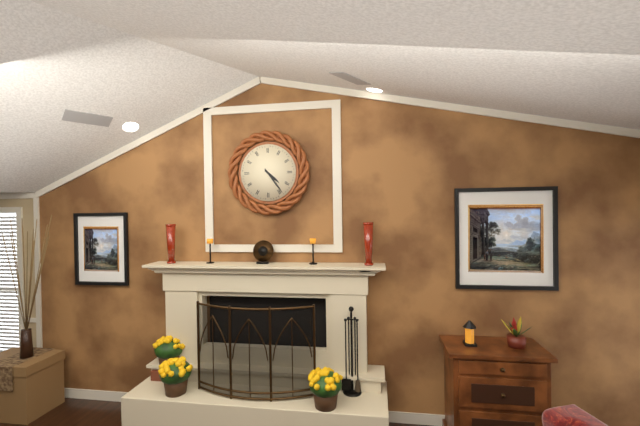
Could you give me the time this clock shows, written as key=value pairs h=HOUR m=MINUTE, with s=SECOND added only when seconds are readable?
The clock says h=4 m=24
